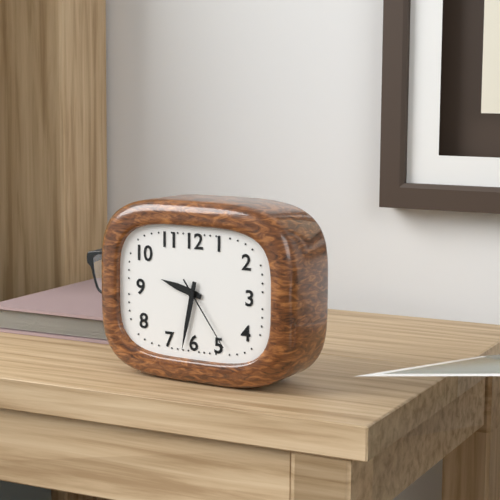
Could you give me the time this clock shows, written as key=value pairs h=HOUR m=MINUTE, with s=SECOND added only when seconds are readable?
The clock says h=9 m=32 s=24
